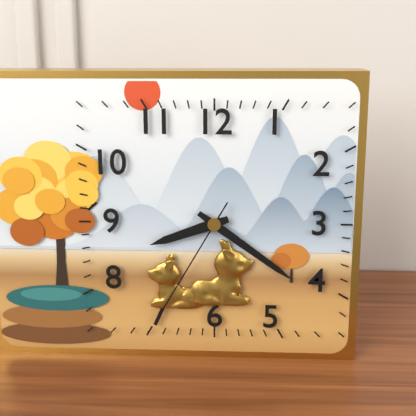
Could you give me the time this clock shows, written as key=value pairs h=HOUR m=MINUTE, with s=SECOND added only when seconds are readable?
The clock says h=8 m=21 s=35
